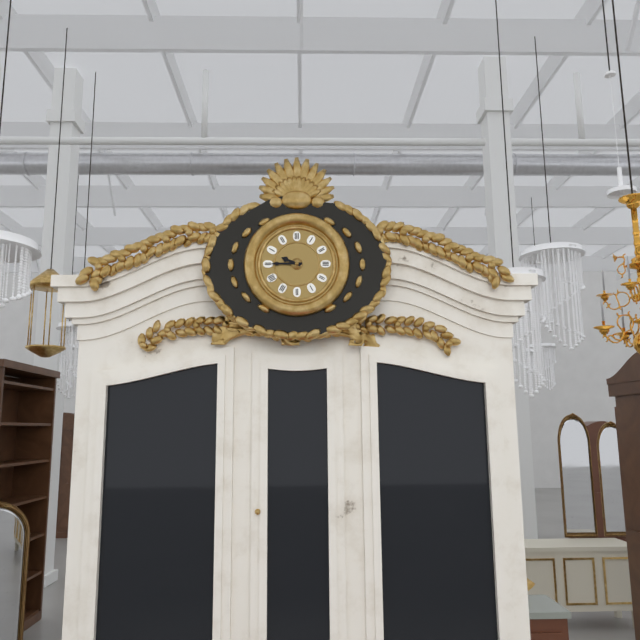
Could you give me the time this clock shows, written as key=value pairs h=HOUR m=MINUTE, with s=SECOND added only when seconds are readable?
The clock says h=9 m=45
